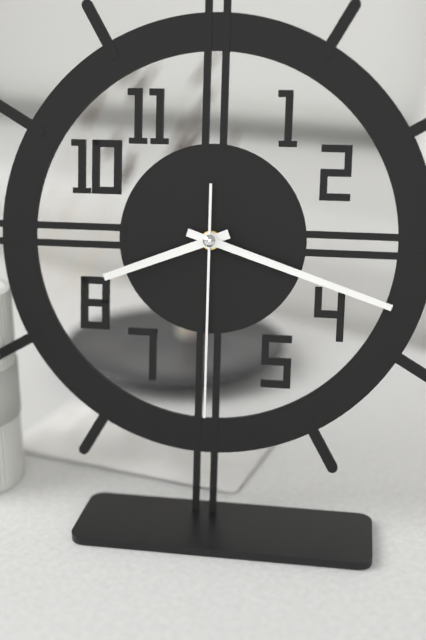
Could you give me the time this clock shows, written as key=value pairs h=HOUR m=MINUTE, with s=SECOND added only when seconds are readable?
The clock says h=8 m=18 s=30
